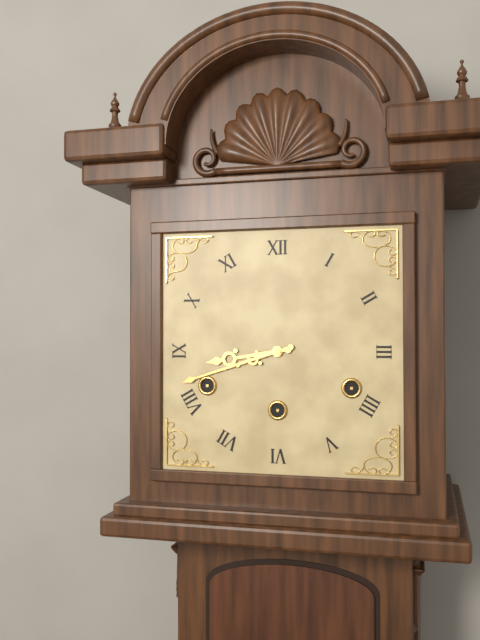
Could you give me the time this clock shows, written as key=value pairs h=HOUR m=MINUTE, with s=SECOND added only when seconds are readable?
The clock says h=8 m=42
